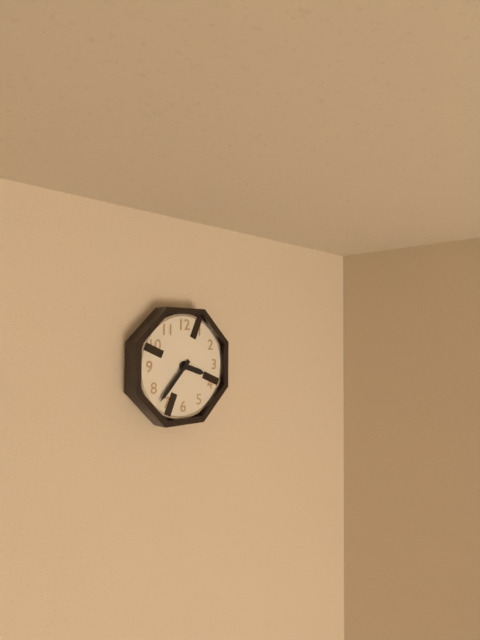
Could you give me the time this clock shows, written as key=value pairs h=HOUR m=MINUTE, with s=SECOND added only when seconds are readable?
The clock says h=3 m=37
